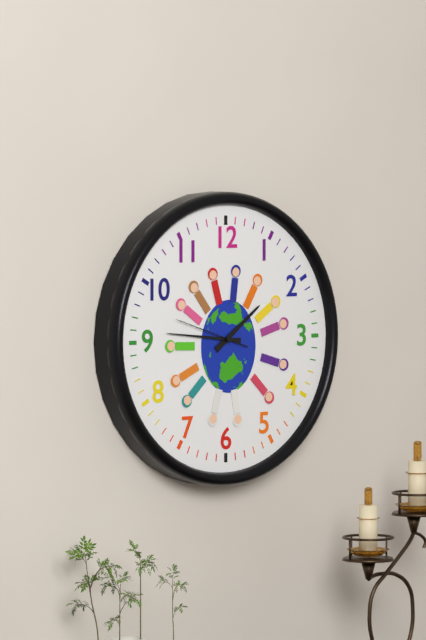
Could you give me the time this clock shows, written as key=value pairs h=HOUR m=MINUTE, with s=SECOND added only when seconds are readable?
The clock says h=1 m=46 s=48
